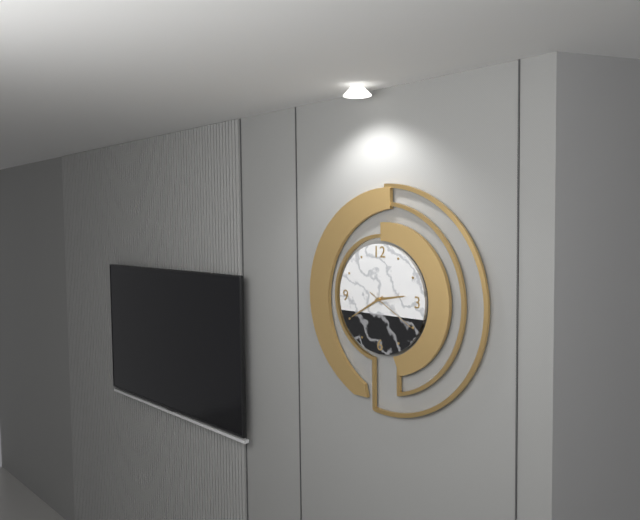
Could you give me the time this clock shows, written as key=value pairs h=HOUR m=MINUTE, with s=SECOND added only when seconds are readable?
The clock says h=2 m=40 s=20
